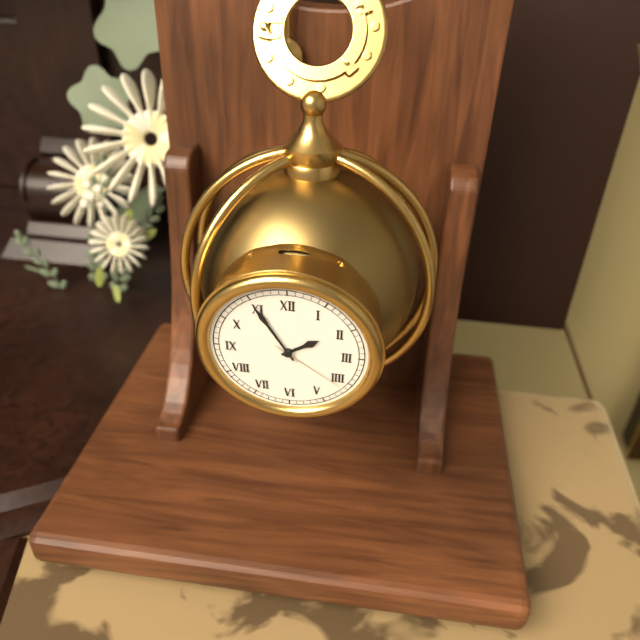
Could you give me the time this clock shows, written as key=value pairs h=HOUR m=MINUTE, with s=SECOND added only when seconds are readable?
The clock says h=1 m=55 s=21
